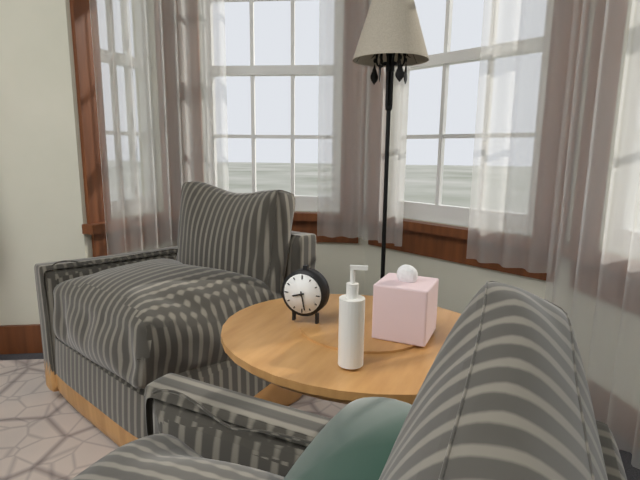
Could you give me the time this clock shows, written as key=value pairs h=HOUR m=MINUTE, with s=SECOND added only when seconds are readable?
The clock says h=8 m=28
